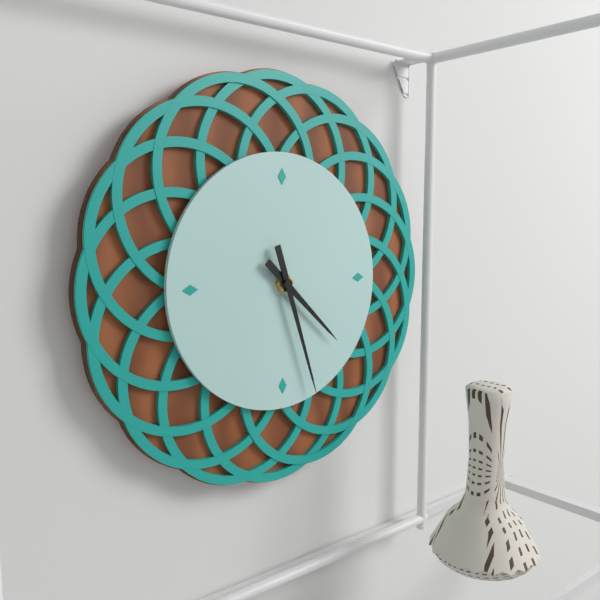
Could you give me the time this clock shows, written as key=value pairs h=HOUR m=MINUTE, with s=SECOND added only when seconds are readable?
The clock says h=4 m=27
